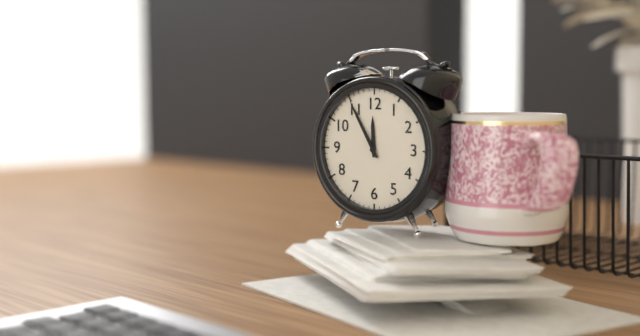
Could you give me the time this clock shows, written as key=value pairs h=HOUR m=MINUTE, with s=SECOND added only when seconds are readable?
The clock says h=11 m=55
